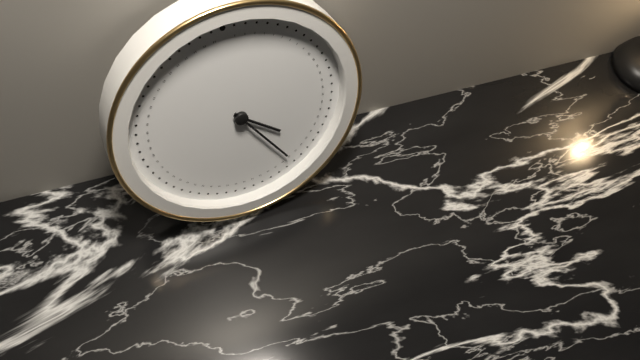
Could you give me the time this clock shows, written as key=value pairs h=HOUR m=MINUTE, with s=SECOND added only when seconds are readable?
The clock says h=4 m=25
